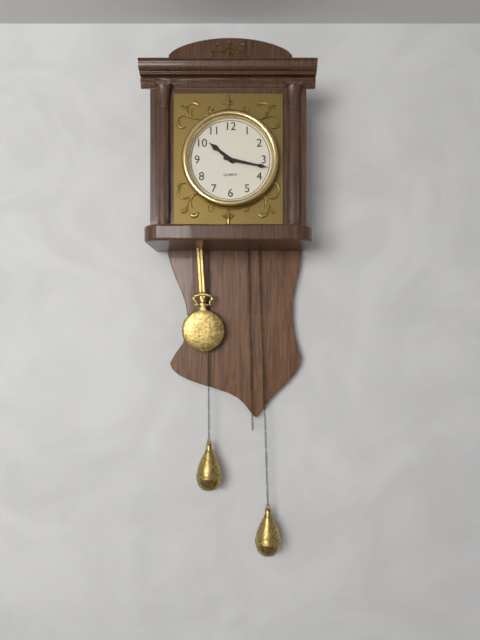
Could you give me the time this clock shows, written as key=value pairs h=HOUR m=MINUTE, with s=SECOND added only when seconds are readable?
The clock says h=10 m=17
